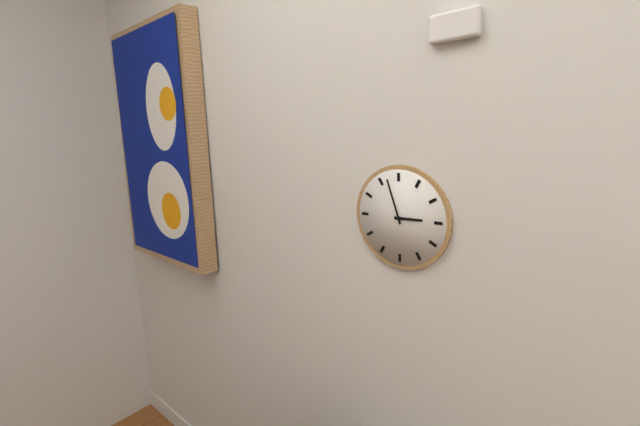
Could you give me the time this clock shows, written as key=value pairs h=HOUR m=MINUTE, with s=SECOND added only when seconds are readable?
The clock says h=2 m=57
